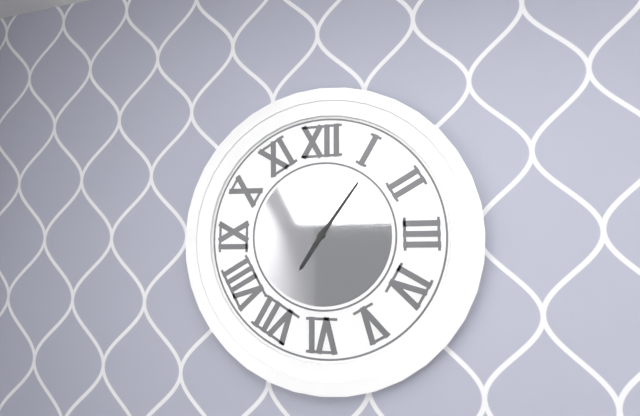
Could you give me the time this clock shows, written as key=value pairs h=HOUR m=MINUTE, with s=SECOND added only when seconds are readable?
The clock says h=7 m=6
